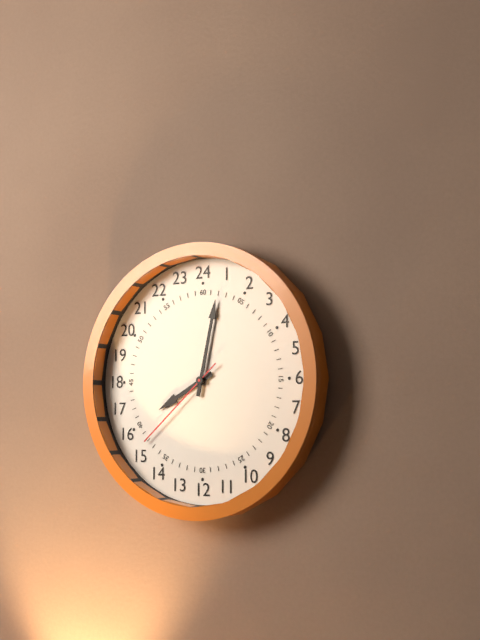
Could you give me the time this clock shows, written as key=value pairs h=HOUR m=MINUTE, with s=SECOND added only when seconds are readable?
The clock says h=8 m=2 s=38
